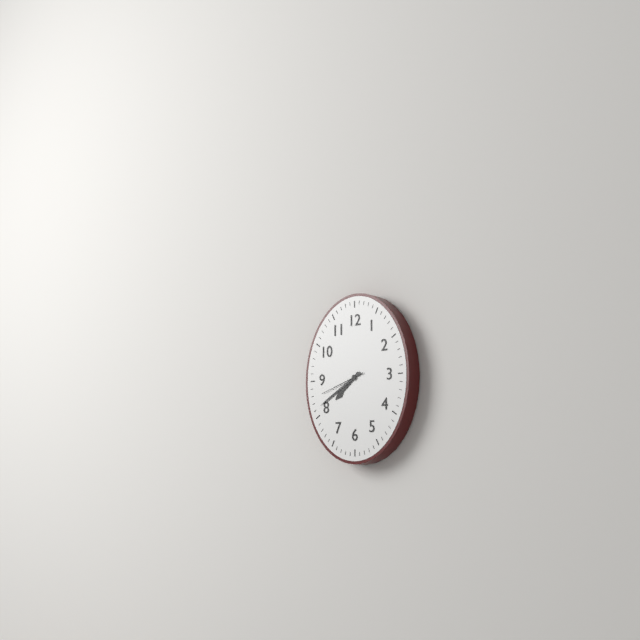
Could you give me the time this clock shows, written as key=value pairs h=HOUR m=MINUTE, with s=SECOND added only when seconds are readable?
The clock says h=7 m=40
